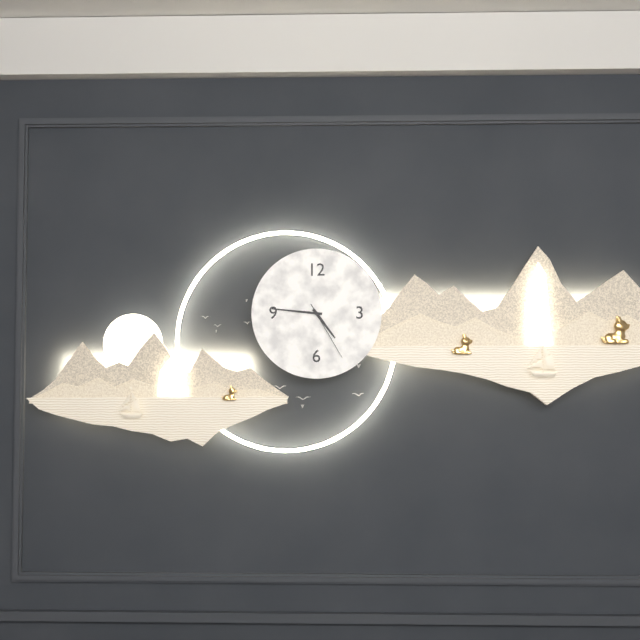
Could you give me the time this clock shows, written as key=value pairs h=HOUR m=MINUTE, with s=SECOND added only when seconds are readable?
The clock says h=4 m=46 s=25
